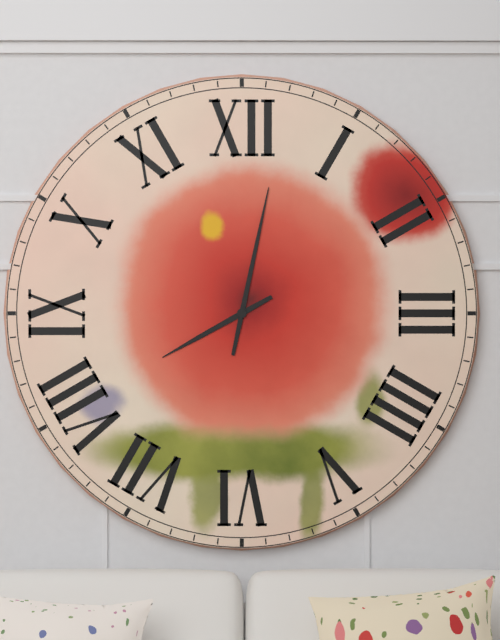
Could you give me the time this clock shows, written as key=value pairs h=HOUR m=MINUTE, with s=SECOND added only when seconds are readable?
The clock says h=8 m=2
